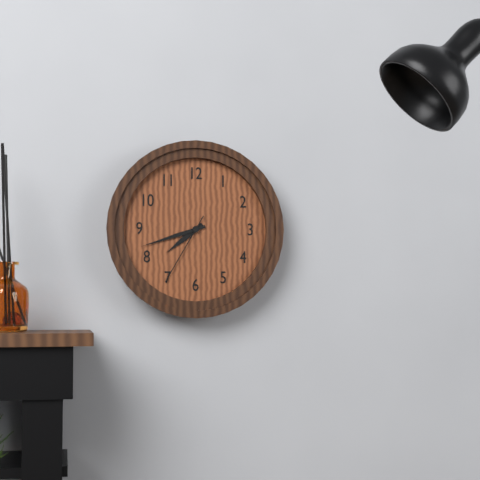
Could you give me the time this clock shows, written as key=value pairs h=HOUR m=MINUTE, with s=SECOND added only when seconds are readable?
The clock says h=7 m=42 s=35
